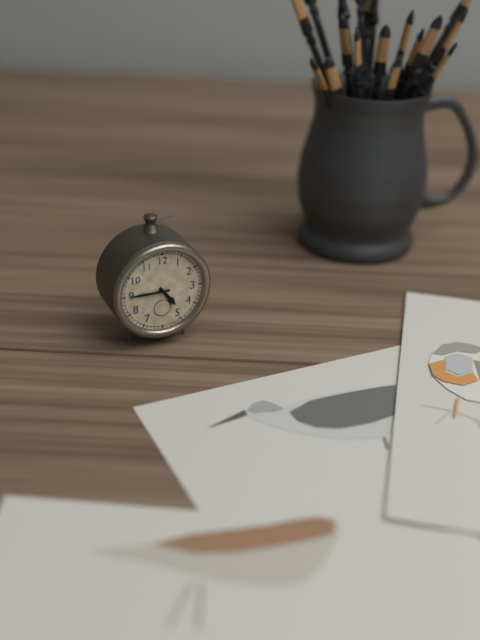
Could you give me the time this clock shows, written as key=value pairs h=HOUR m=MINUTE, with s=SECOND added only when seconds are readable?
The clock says h=4 m=45
